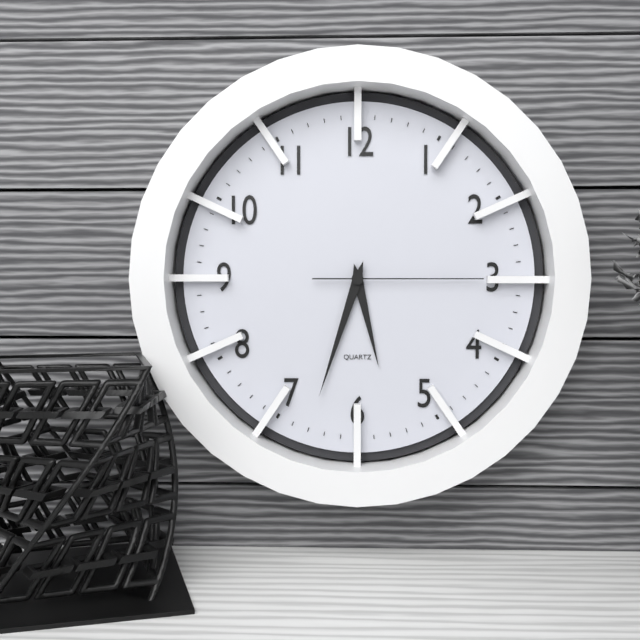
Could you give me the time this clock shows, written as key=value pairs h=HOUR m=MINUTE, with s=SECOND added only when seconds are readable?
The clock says h=5 m=33 s=15
